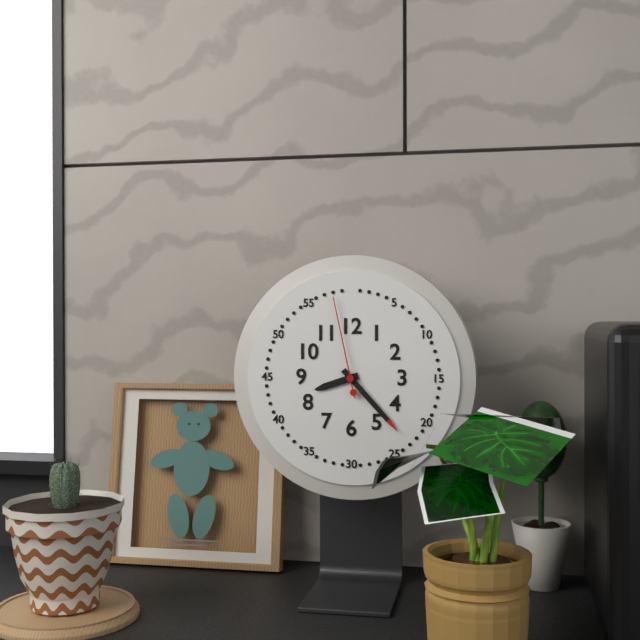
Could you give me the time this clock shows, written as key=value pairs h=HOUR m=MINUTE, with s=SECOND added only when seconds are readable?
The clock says h=8 m=23 s=58
